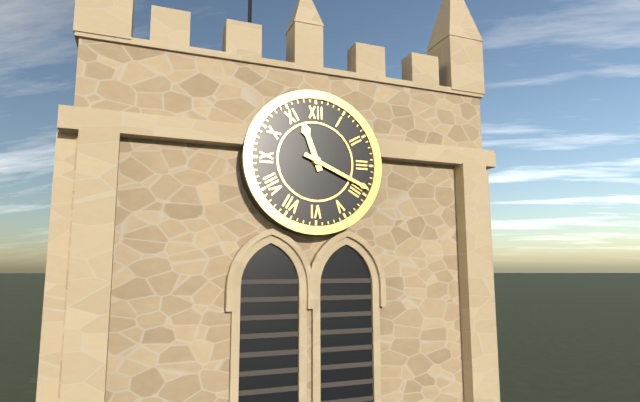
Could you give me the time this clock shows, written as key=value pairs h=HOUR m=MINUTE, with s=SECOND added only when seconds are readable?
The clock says h=11 m=19
